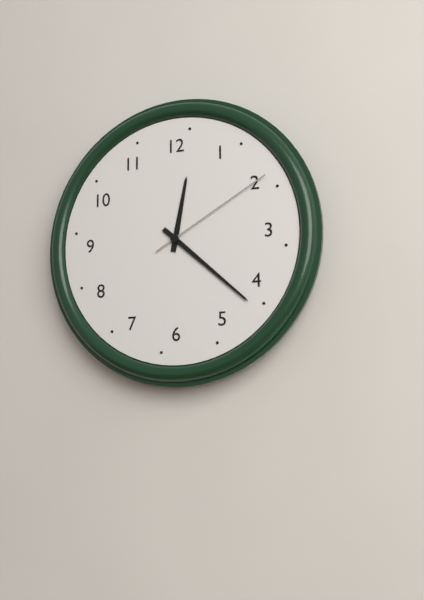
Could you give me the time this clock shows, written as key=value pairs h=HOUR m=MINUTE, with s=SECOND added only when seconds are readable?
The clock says h=12 m=22 s=10
